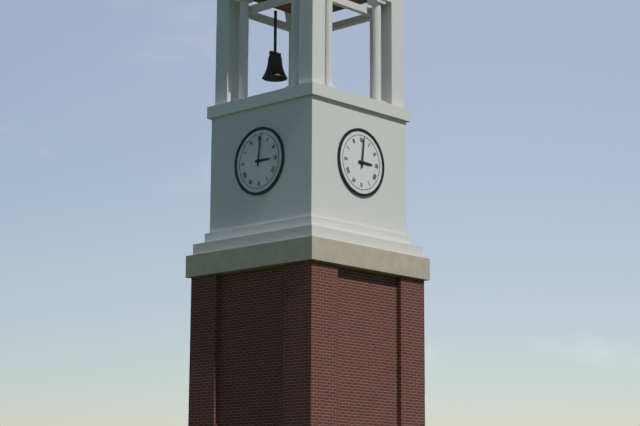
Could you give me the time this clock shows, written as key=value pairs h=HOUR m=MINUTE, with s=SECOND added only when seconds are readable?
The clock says h=3 m=1
